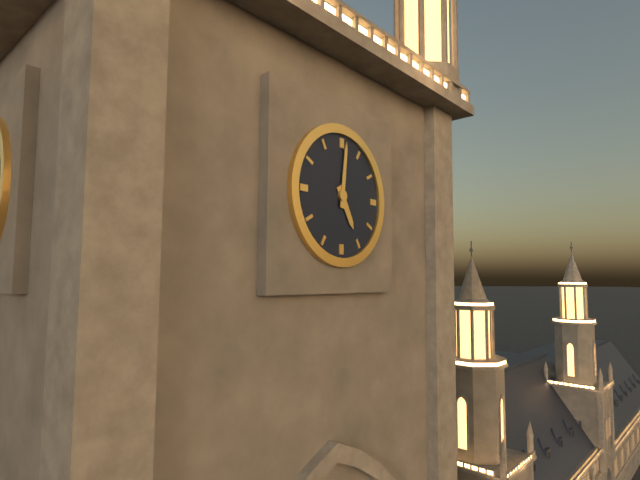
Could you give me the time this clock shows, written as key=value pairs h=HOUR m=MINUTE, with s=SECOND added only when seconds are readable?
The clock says h=5 m=1
